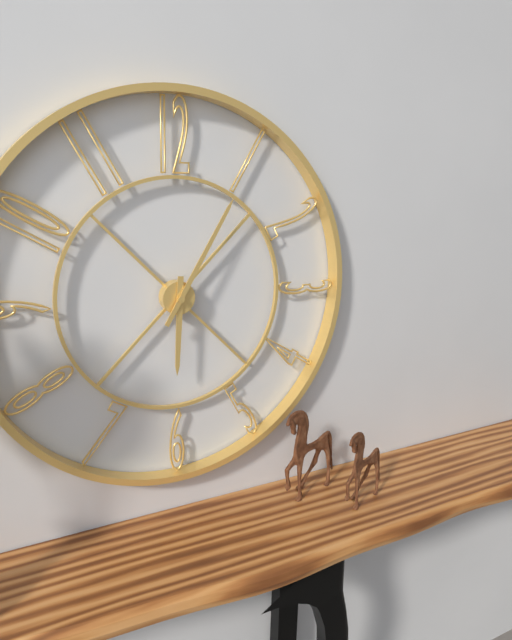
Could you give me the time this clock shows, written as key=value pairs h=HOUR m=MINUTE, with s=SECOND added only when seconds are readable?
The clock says h=6 m=5
